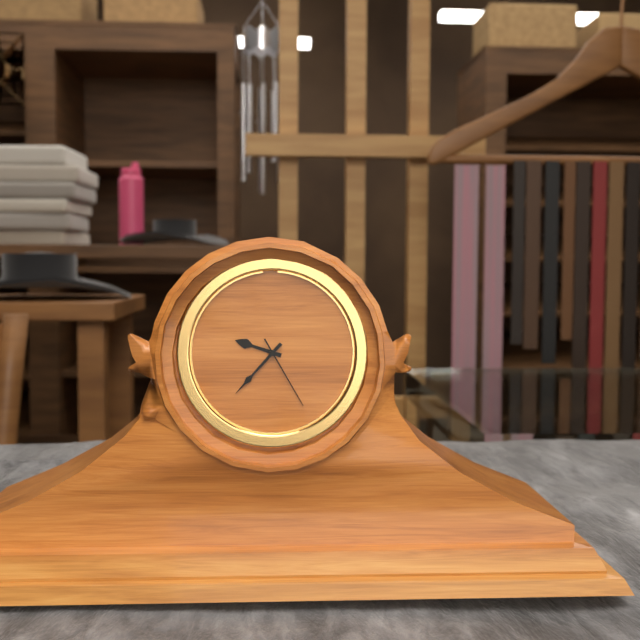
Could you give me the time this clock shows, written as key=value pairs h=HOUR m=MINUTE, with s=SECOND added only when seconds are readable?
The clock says h=9 m=37 s=25
